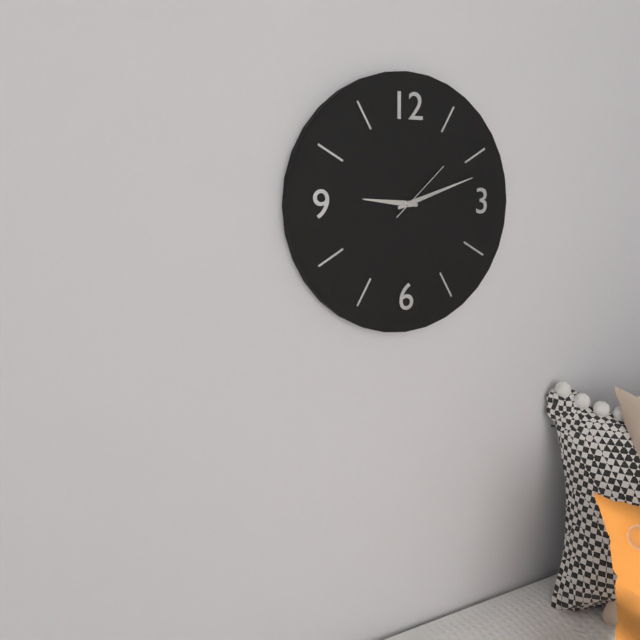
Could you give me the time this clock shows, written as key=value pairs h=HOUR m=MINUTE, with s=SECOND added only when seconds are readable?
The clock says h=9 m=12 s=8
